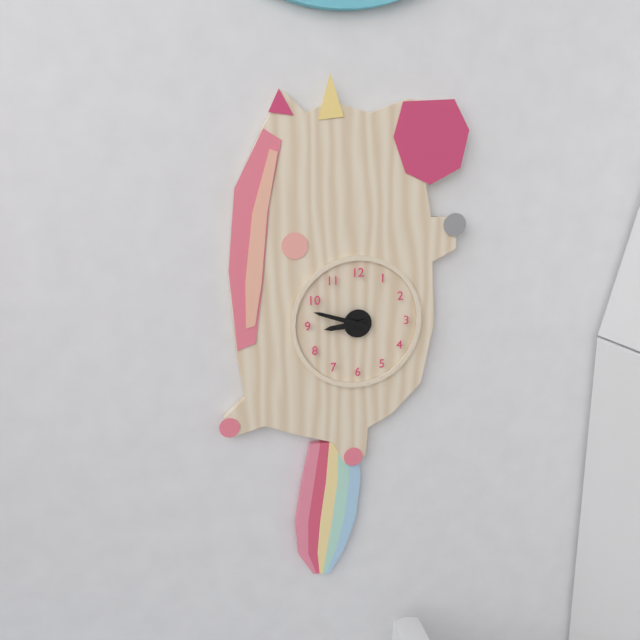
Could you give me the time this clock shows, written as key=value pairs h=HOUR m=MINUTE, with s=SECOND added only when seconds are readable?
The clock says h=8 m=48
